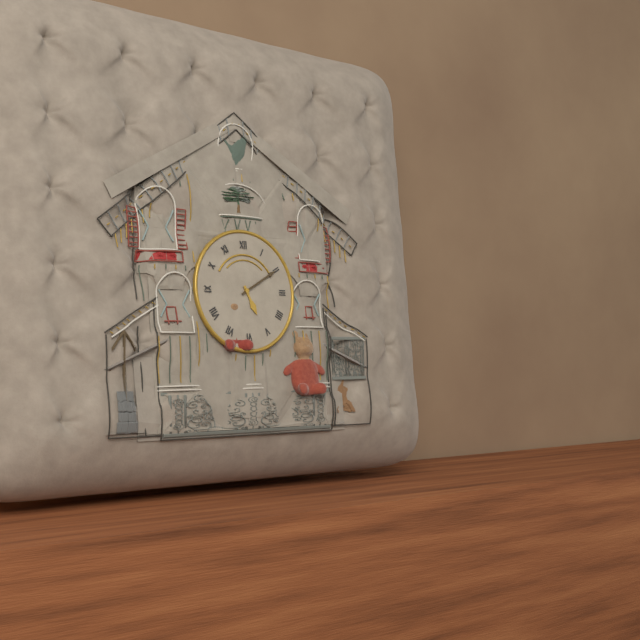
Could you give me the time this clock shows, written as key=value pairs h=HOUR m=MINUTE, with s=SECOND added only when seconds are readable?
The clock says h=5 m=10
